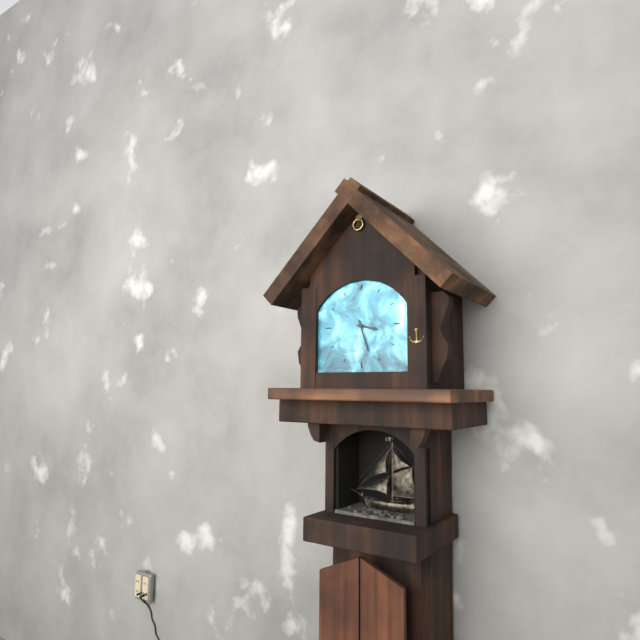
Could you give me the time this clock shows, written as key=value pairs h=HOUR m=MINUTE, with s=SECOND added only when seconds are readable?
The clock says h=3 m=27
